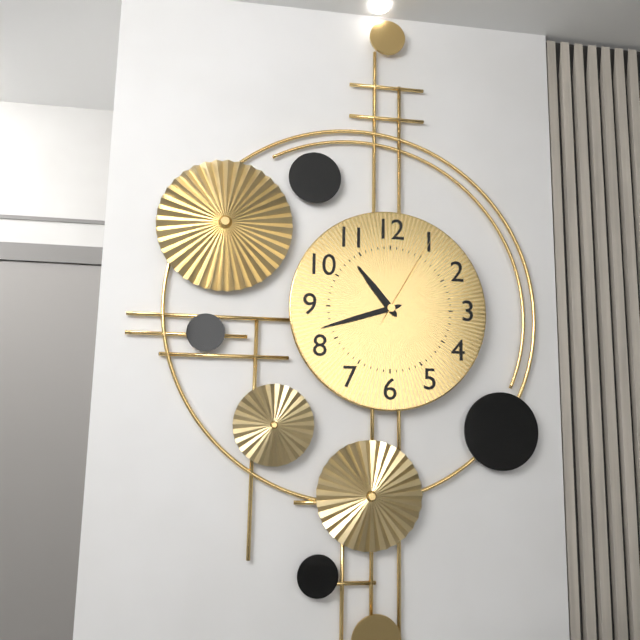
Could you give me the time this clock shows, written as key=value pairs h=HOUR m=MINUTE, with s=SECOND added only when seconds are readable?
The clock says h=10 m=42 s=5
